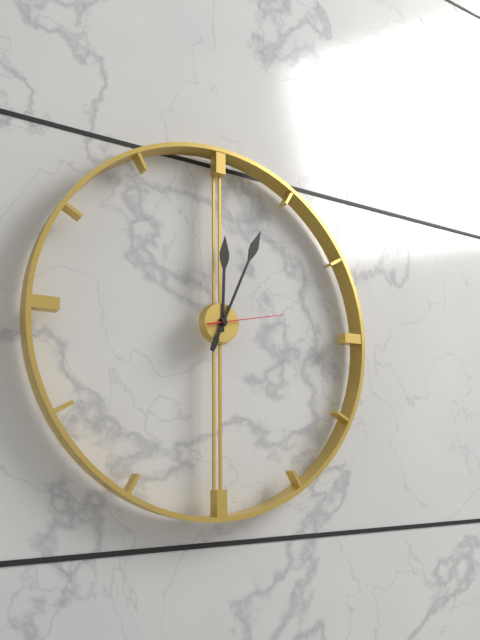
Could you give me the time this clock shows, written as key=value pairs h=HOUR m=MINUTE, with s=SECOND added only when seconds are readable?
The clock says h=12 m=4 s=13
